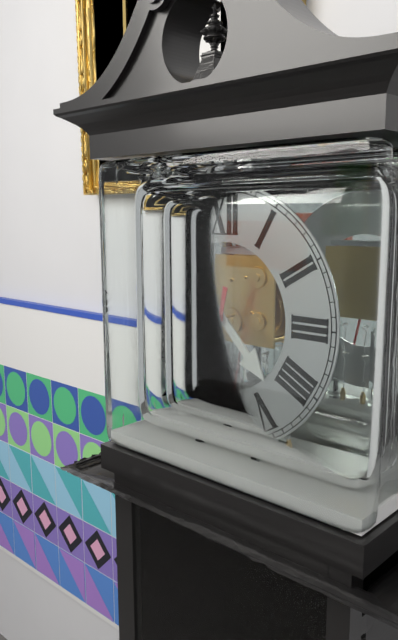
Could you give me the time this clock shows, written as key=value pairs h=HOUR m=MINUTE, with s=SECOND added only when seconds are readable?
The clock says h=4 m=32
